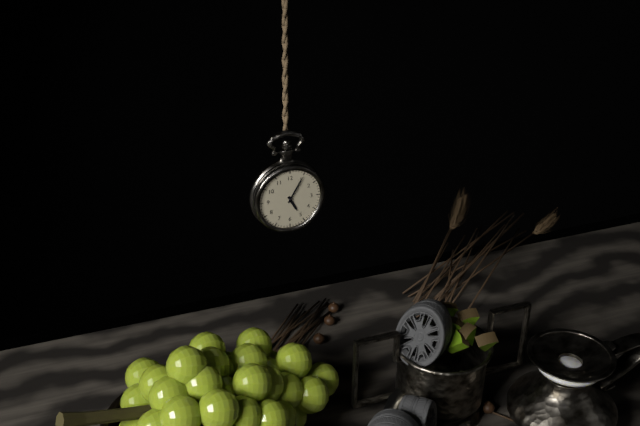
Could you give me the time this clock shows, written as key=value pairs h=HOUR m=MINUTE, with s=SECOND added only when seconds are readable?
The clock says h=5 m=5
